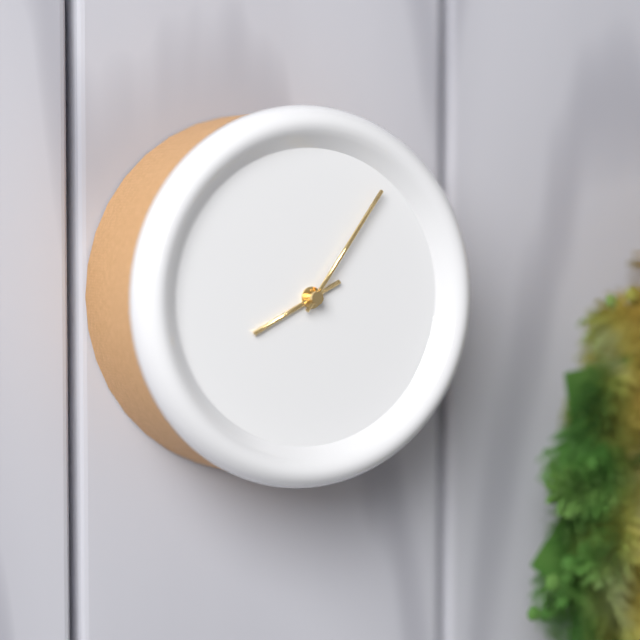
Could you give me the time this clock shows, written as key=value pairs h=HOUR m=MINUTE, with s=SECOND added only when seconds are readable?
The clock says h=8 m=6
